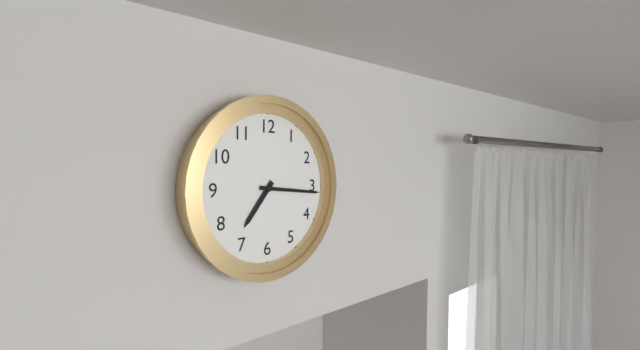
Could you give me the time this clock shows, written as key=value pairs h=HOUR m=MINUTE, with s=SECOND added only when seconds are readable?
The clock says h=7 m=16
